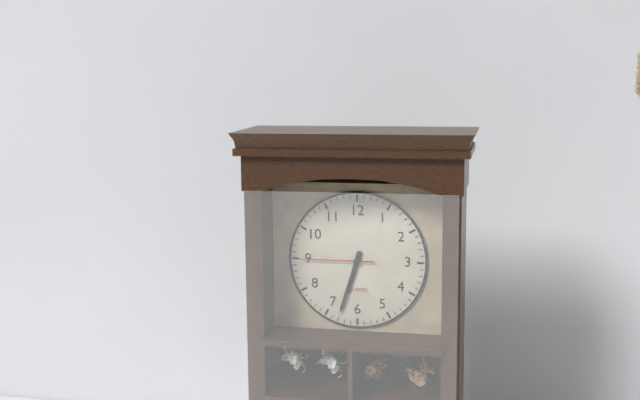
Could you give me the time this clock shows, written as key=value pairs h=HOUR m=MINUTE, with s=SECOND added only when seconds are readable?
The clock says h=6 m=33 s=45
